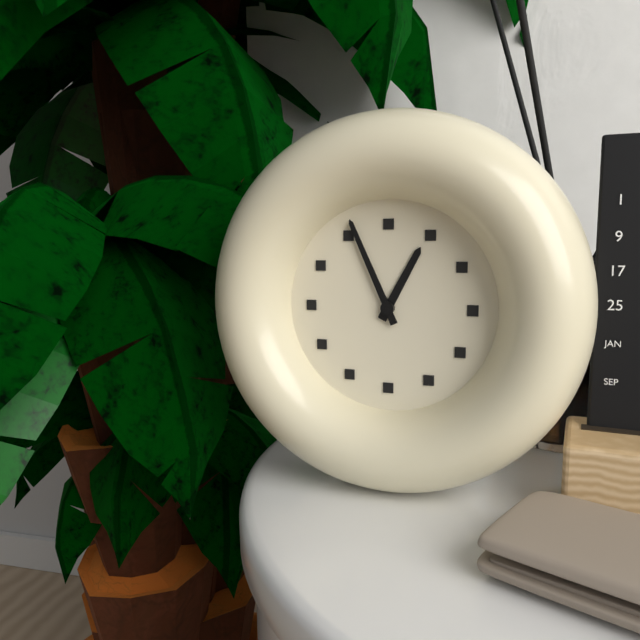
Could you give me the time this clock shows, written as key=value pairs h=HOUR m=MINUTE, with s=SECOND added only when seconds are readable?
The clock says h=12 m=56
